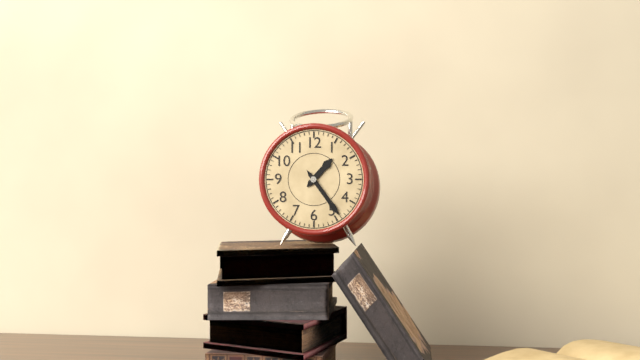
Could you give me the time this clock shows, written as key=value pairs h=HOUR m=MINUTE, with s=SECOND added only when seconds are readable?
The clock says h=1 m=24
